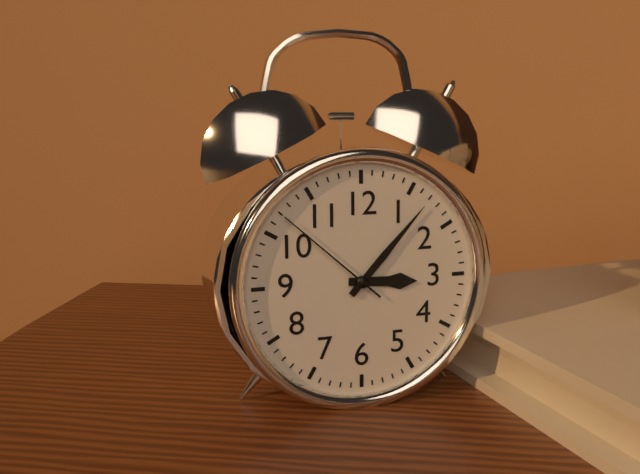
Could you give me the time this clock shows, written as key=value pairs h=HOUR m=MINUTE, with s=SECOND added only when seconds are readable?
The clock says h=3 m=7 s=52
